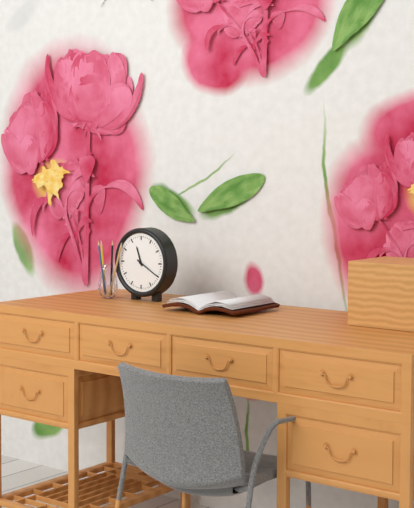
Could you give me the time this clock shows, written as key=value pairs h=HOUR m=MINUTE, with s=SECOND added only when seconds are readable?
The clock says h=11 m=20
